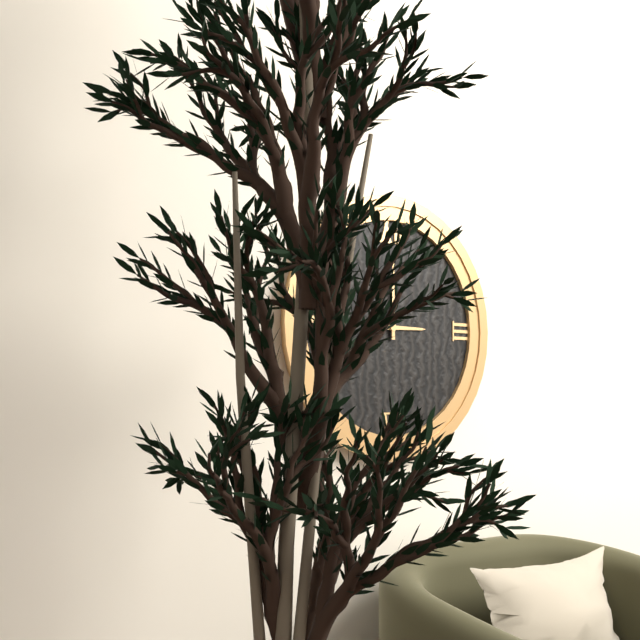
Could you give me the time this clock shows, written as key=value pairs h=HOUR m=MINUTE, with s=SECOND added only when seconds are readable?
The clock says h=3 m=0
